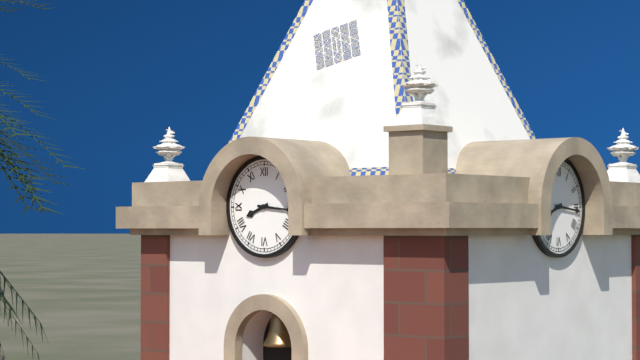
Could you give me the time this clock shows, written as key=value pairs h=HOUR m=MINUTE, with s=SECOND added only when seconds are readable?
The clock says h=8 m=16
